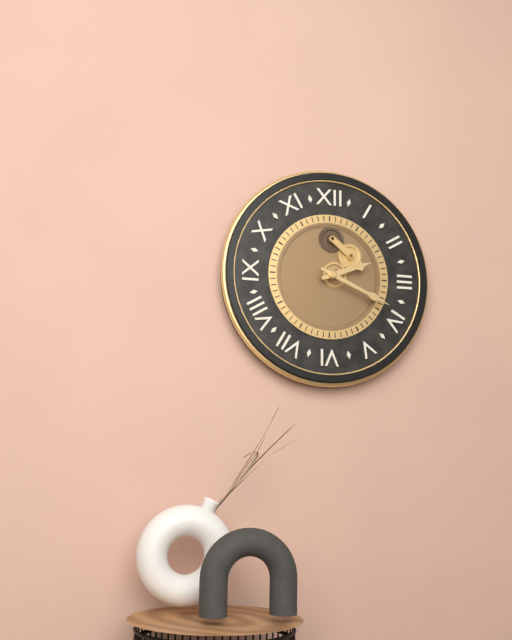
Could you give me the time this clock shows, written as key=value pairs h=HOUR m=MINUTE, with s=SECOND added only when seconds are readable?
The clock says h=2 m=19
